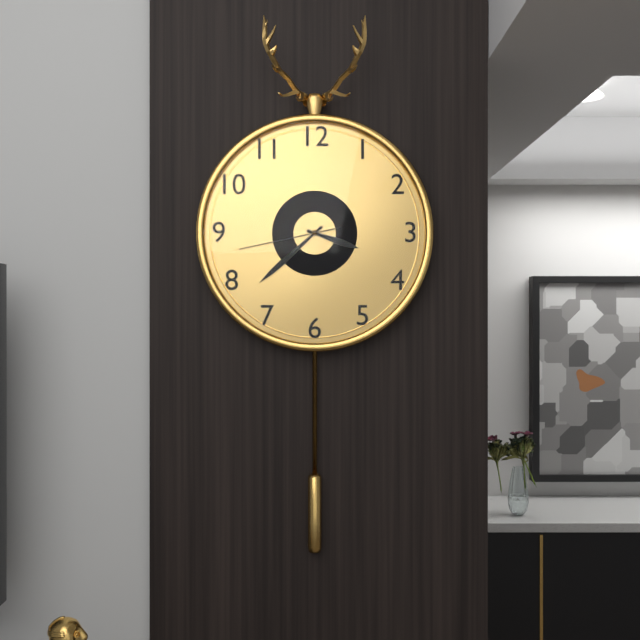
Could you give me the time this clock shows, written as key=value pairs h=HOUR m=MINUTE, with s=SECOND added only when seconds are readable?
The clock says h=3 m=38 s=43
